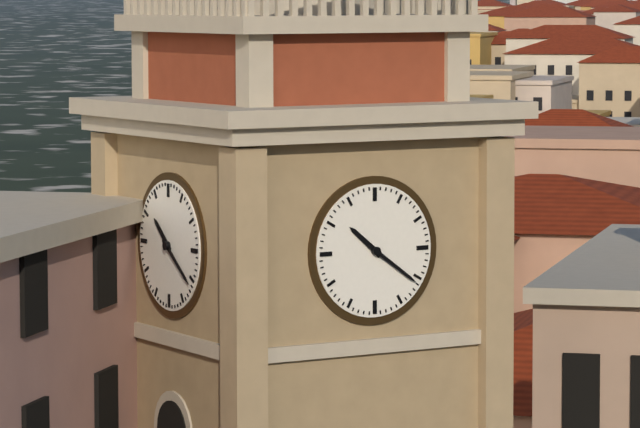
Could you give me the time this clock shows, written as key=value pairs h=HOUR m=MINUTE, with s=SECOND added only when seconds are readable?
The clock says h=10 m=21
